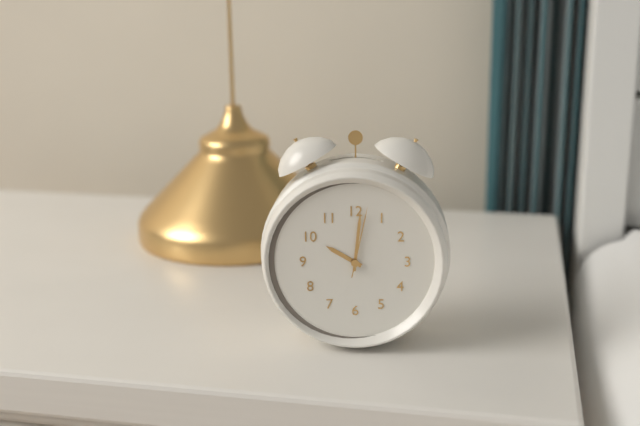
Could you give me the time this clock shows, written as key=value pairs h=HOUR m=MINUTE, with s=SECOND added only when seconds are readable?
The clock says h=10 m=1 s=2
